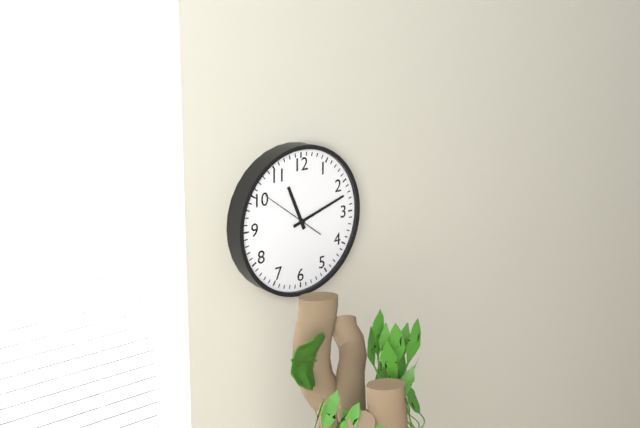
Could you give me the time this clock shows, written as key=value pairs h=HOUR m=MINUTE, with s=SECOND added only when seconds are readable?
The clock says h=11 m=12
